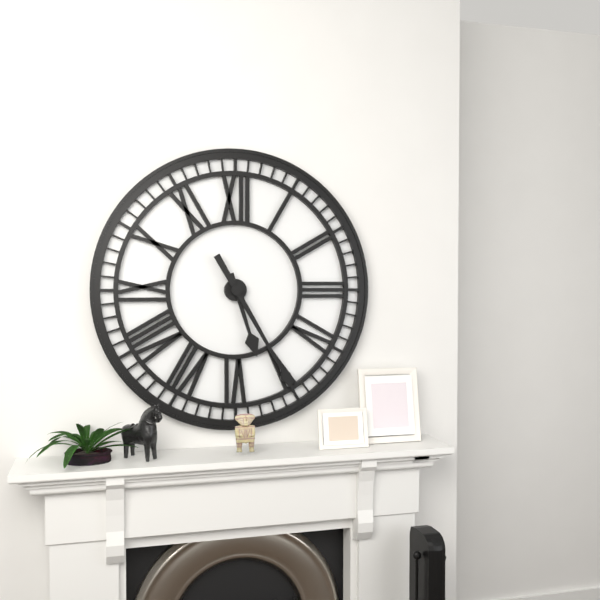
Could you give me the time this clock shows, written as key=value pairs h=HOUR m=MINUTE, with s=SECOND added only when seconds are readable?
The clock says h=5 m=25
